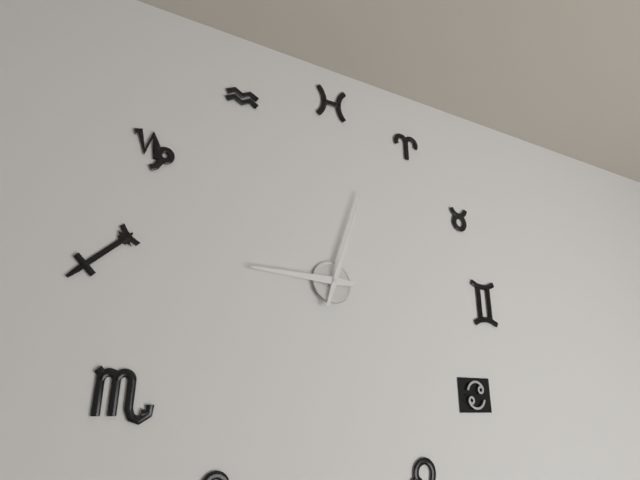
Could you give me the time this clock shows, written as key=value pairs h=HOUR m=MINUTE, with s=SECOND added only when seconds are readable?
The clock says h=9 m=3
